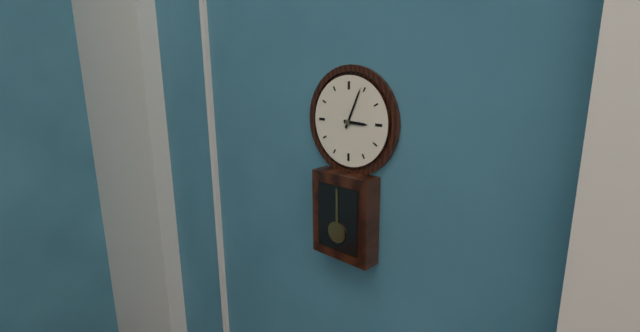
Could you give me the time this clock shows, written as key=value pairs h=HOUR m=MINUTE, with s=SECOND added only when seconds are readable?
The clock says h=3 m=4
